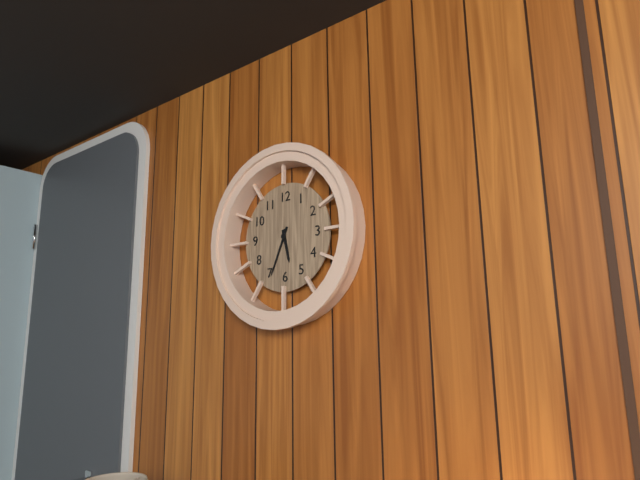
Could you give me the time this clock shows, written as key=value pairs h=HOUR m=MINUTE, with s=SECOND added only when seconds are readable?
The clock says h=5 m=34
